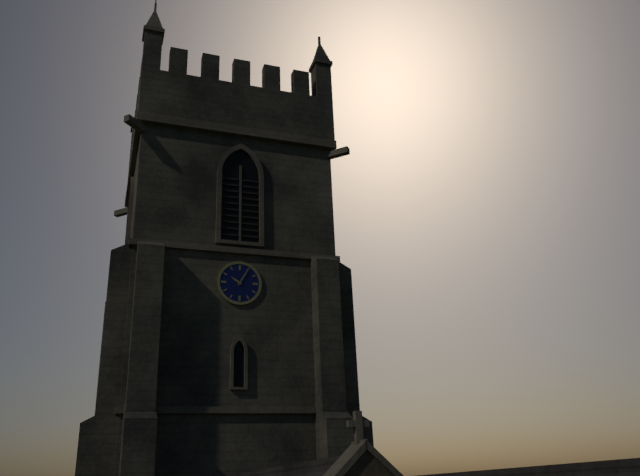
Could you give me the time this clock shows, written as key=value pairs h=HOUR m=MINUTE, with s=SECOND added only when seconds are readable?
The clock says h=10 m=5
